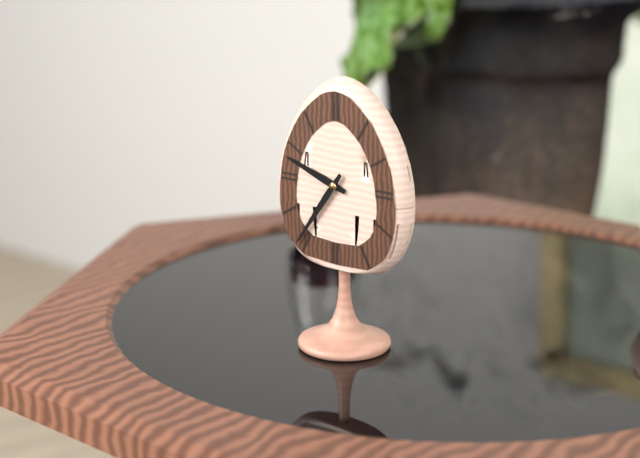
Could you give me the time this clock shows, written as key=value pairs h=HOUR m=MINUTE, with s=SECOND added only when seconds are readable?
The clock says h=9 m=36
